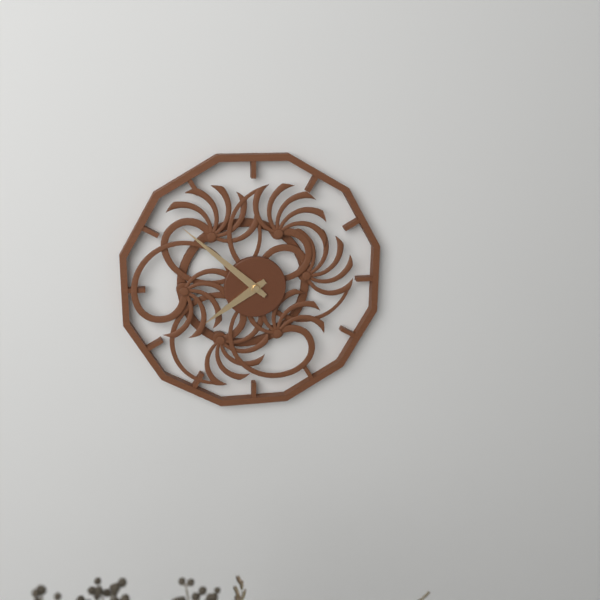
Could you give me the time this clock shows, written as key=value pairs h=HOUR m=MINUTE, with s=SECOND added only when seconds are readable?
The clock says h=7 m=52
